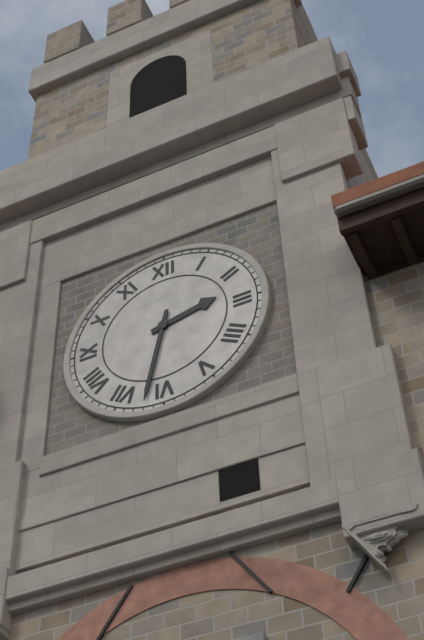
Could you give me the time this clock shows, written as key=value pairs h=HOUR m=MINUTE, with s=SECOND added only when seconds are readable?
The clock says h=2 m=32
